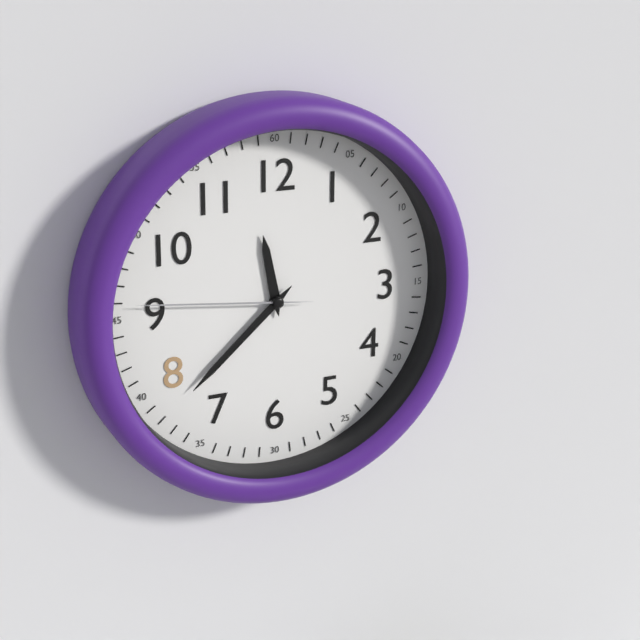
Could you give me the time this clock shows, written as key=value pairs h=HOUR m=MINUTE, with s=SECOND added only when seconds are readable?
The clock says h=11 m=38 s=46
